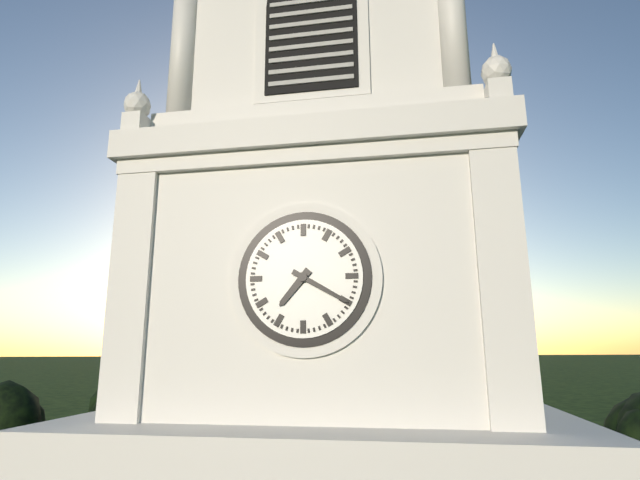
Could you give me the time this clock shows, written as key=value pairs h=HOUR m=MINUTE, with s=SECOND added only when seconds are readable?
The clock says h=7 m=20
